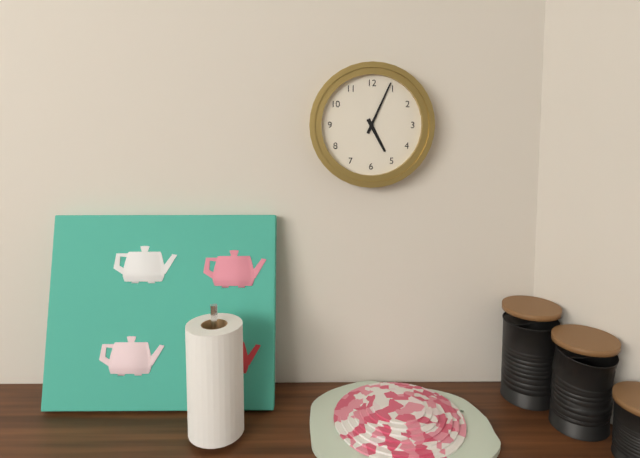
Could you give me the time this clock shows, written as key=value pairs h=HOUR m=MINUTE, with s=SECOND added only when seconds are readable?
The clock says h=5 m=4
